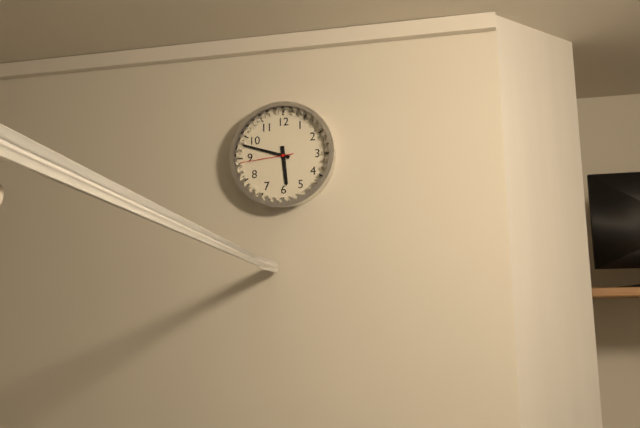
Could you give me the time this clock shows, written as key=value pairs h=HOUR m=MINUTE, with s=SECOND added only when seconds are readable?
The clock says h=5 m=48 s=44
